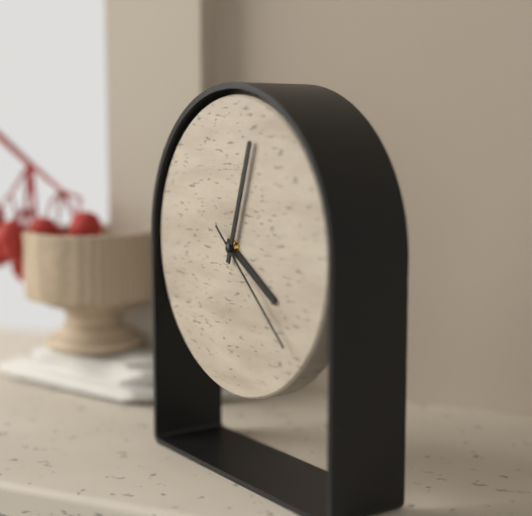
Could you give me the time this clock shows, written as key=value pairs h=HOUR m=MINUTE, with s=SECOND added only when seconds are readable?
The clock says h=4 m=3 s=22
